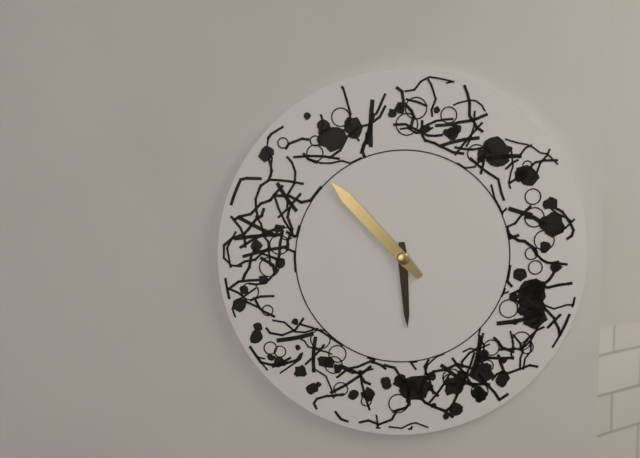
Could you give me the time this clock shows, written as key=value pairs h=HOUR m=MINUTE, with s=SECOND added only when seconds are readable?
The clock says h=5 m=53
